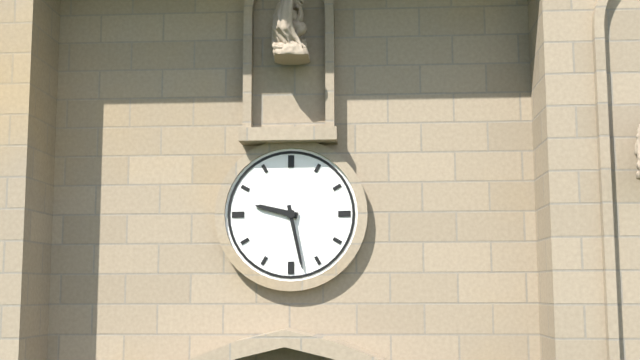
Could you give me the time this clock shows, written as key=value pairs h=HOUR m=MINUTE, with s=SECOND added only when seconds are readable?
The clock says h=9 m=28
